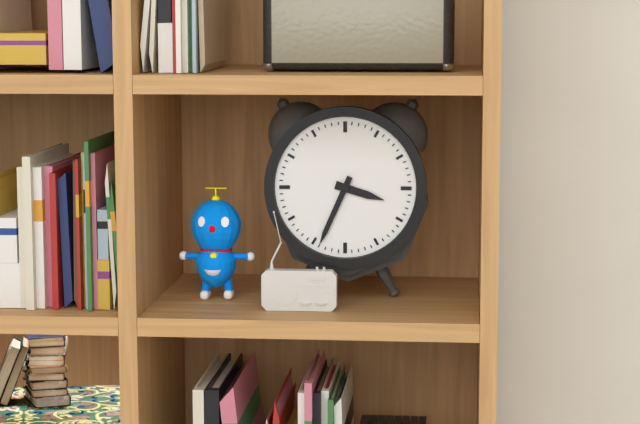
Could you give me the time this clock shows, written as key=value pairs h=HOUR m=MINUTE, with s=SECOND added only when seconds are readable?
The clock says h=3 m=34
